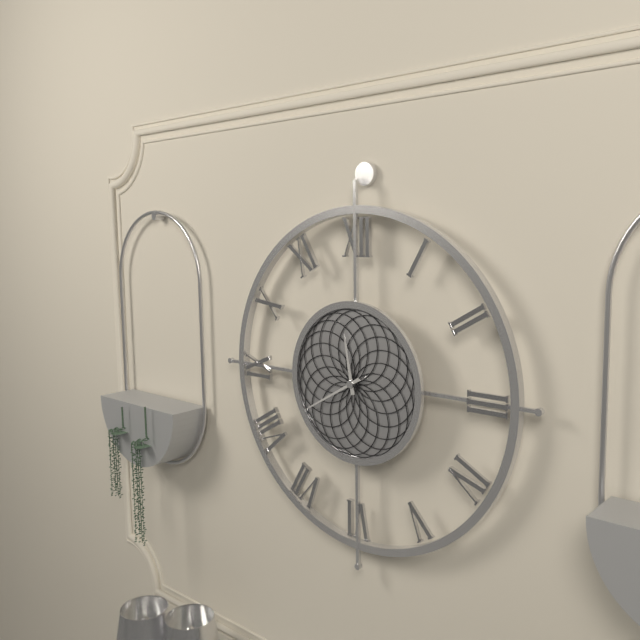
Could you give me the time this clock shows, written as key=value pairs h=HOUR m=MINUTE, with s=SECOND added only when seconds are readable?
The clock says h=11 m=40
